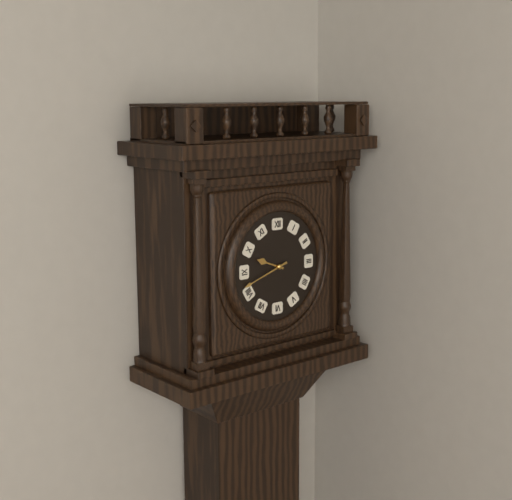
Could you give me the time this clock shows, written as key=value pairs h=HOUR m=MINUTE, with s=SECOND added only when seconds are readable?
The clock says h=9 m=42
